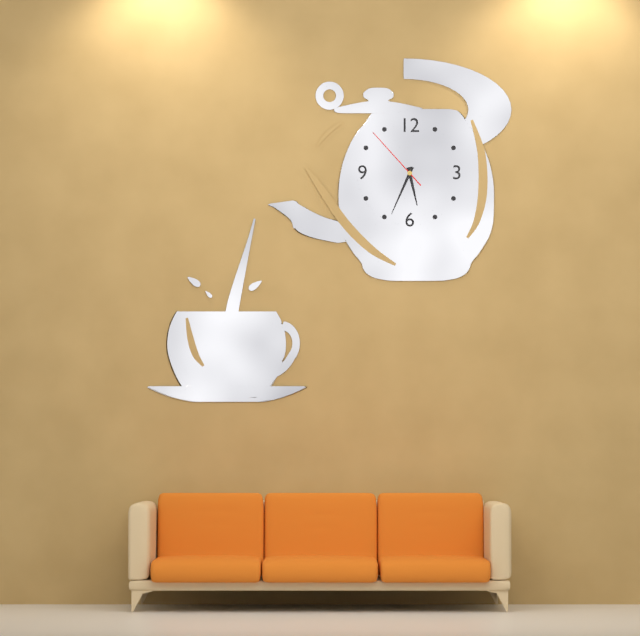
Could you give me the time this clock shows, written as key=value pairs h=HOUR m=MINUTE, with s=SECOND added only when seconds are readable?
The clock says h=5 m=34 s=53
